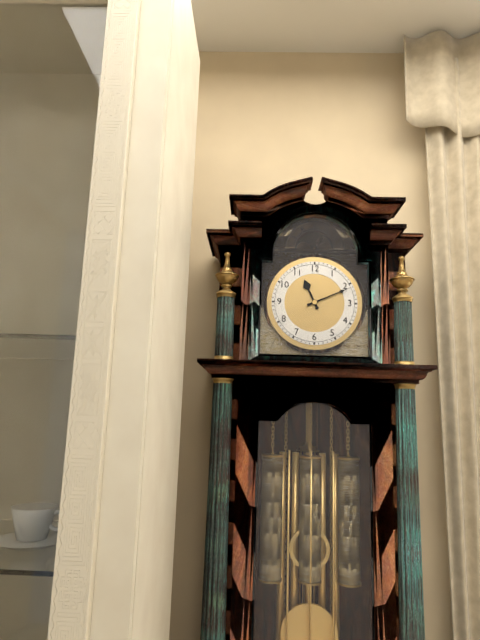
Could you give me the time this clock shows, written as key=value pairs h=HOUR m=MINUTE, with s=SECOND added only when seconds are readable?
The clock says h=11 m=11
